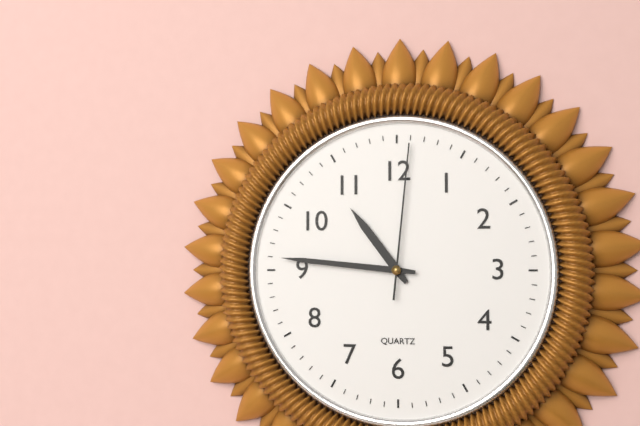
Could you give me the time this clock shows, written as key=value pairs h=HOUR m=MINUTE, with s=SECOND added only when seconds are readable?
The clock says h=10 m=46 s=1
